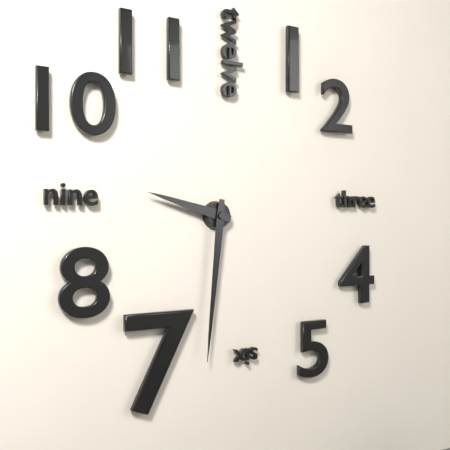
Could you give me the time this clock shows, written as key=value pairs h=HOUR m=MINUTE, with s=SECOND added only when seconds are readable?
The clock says h=9 m=31
